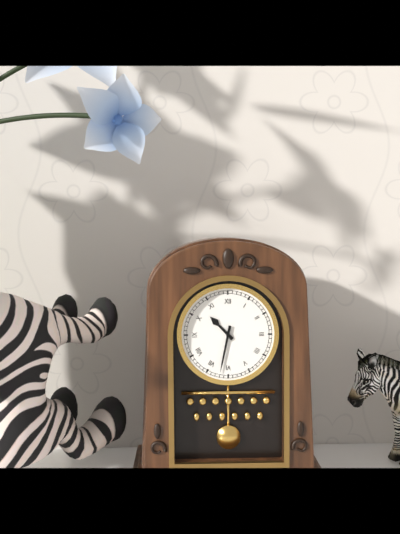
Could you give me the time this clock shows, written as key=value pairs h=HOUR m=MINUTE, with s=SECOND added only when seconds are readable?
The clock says h=10 m=32
